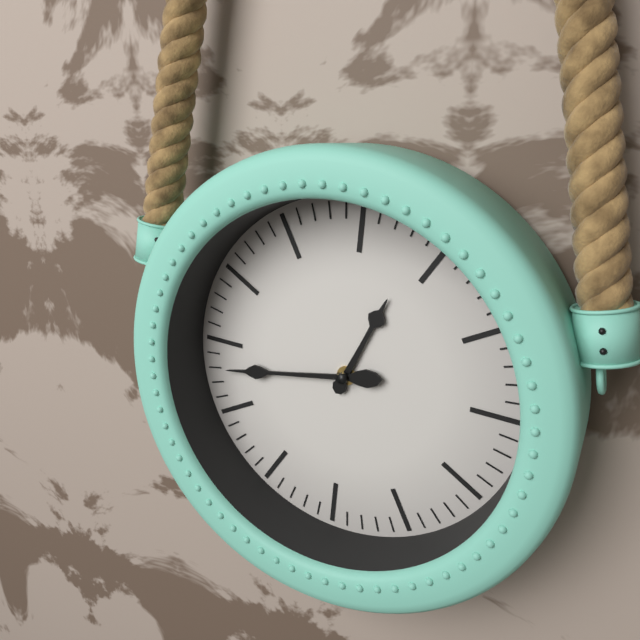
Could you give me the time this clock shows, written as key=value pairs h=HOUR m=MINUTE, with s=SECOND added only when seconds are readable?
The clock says h=12 m=43
